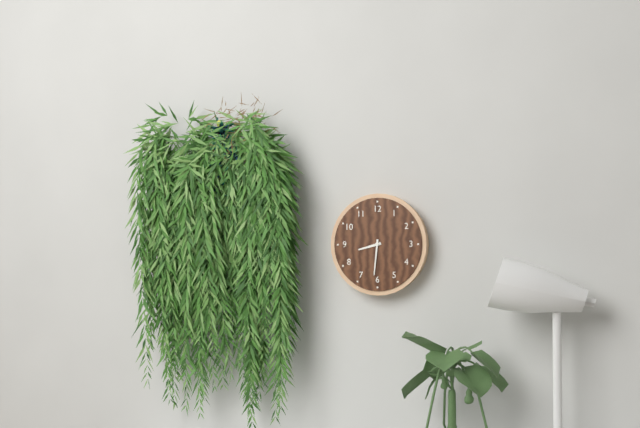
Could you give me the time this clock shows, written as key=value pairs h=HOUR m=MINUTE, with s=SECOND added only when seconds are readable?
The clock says h=8 m=31
